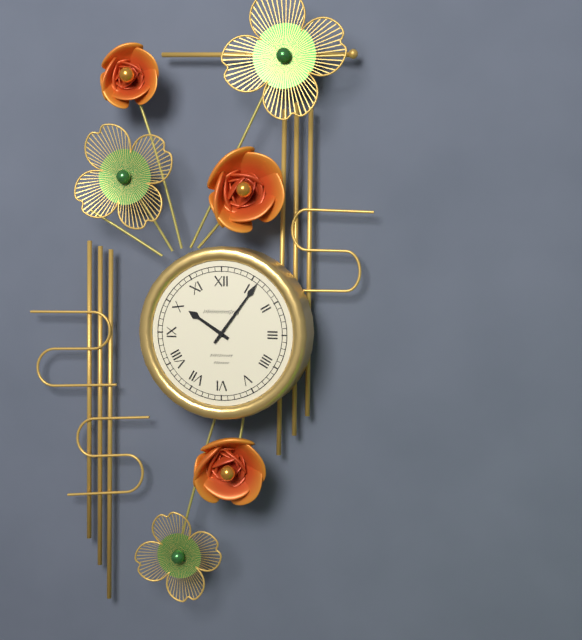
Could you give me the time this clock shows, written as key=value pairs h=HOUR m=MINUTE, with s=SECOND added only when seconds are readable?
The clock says h=10 m=6
